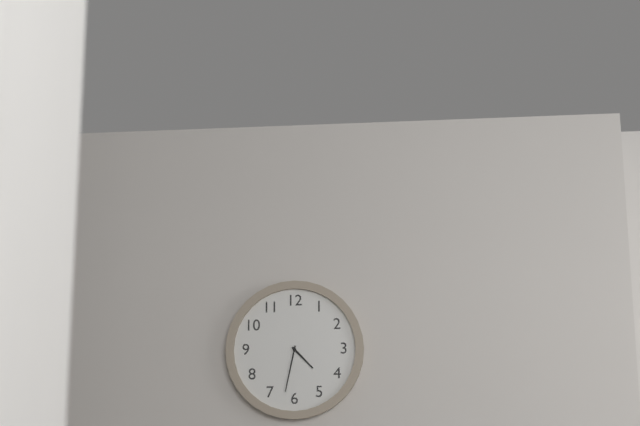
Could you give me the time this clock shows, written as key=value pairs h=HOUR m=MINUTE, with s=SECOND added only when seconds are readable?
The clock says h=4 m=32
